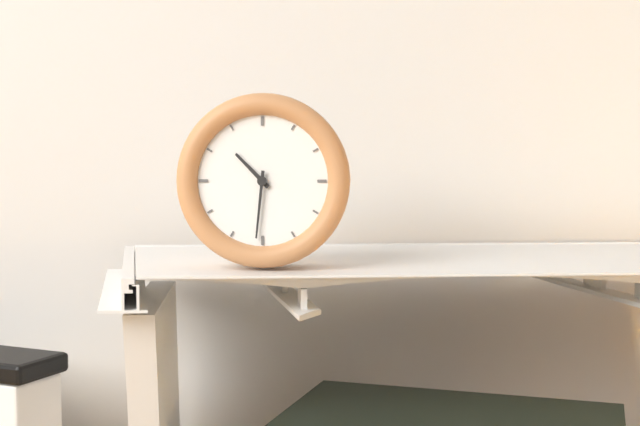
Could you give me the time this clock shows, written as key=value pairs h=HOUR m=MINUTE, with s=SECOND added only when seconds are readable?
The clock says h=10 m=31
